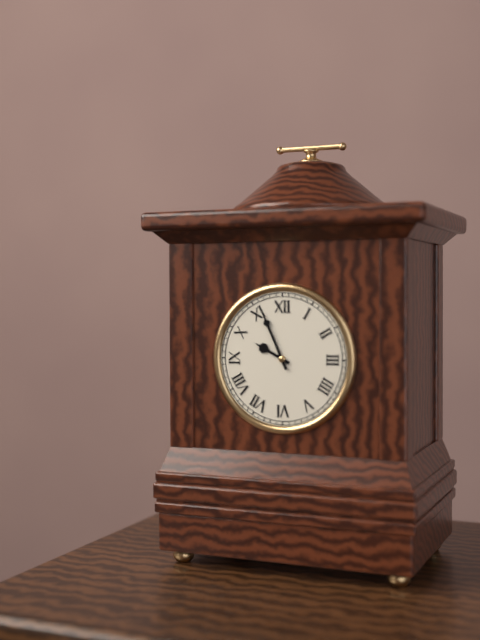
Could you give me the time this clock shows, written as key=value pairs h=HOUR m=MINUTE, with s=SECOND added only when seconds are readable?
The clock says h=9 m=56
